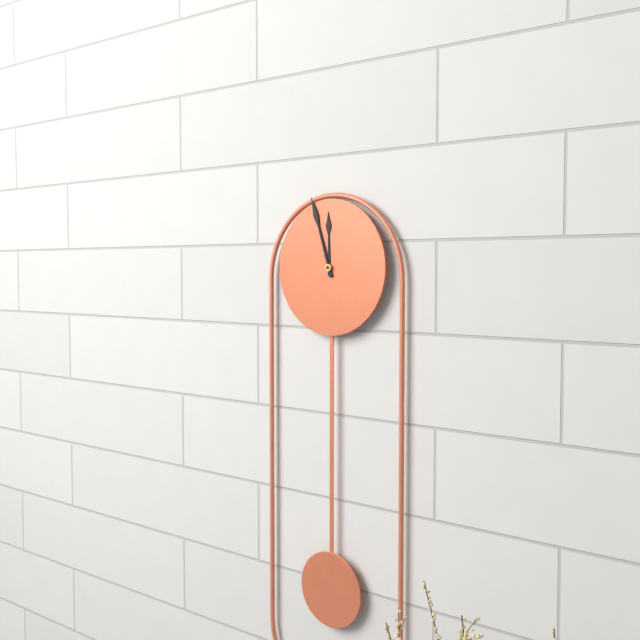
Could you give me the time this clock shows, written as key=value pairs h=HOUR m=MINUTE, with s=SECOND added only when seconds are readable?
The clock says h=11 m=57
